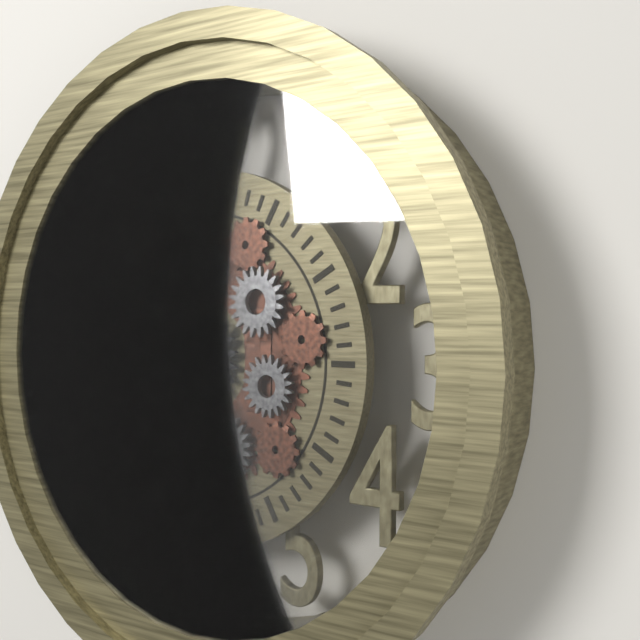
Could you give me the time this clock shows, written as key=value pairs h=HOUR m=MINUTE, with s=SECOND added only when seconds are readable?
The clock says h=8 m=37
